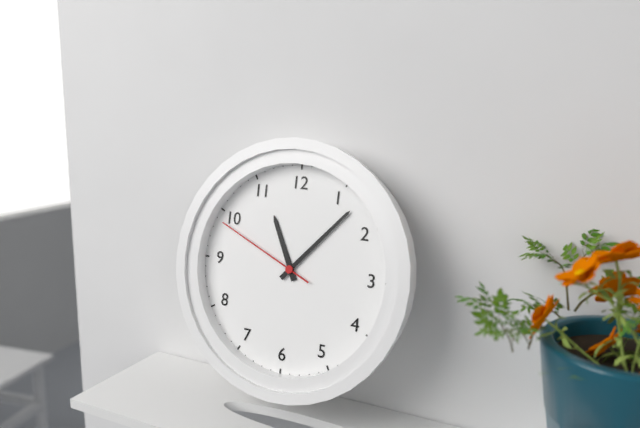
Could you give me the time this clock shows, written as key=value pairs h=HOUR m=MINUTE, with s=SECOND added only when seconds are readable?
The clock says h=11 m=7 s=49
